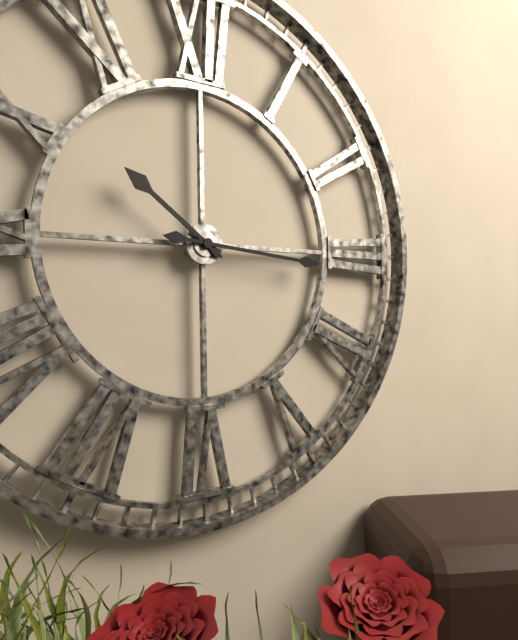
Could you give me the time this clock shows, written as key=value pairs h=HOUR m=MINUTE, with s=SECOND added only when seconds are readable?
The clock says h=10 m=16
